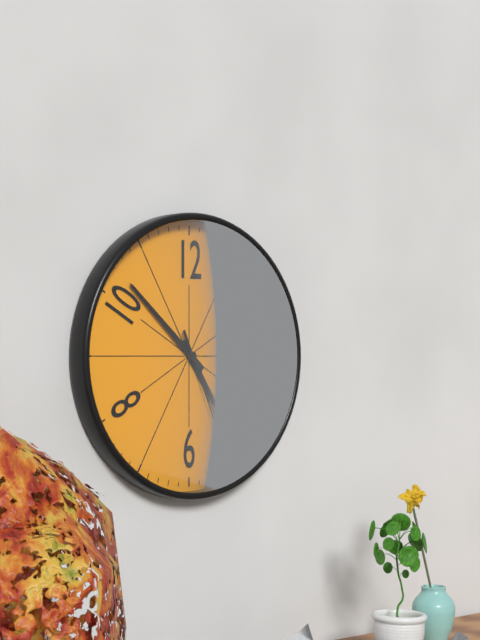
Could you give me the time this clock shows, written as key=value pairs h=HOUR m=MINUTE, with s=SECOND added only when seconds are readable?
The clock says h=4 m=52 s=26
